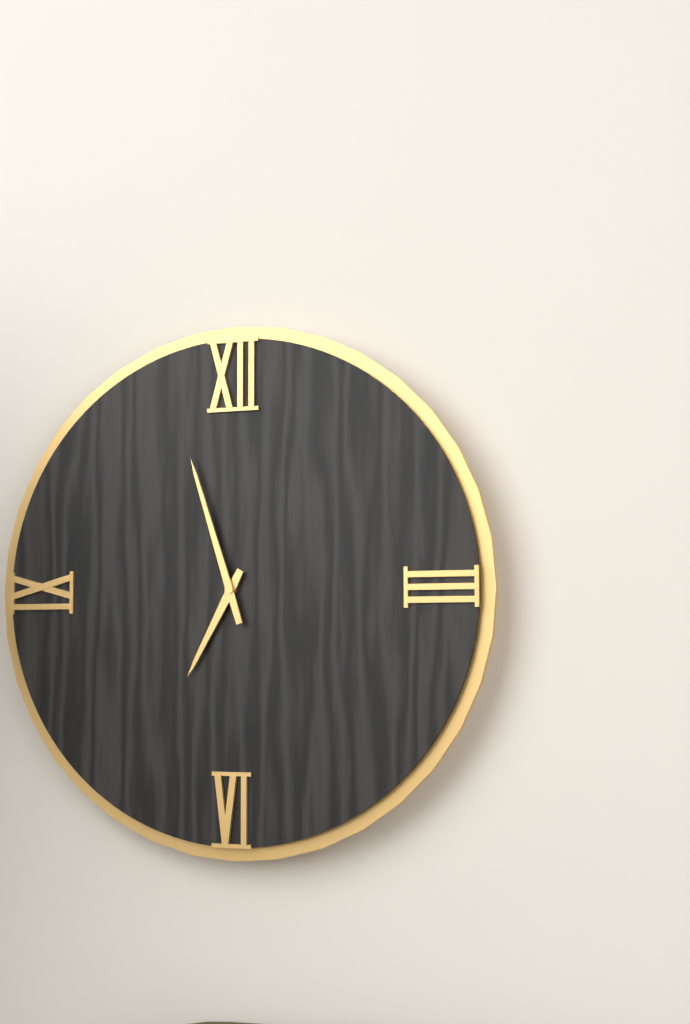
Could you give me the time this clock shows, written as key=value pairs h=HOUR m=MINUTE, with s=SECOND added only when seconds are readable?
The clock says h=6 m=57
